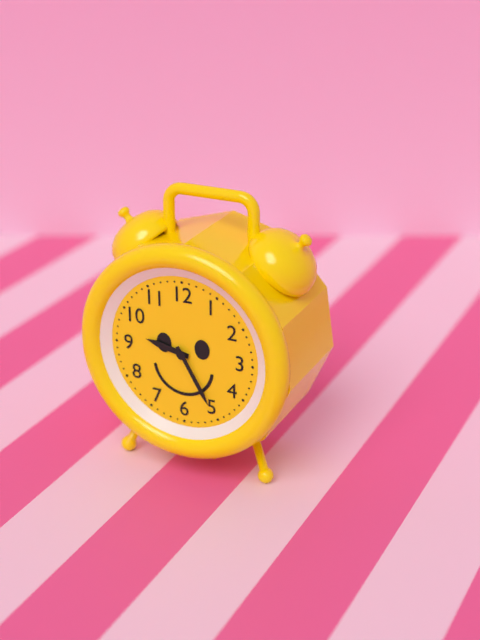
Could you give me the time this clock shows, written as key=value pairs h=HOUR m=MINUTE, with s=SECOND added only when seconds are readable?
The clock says h=9 m=25
